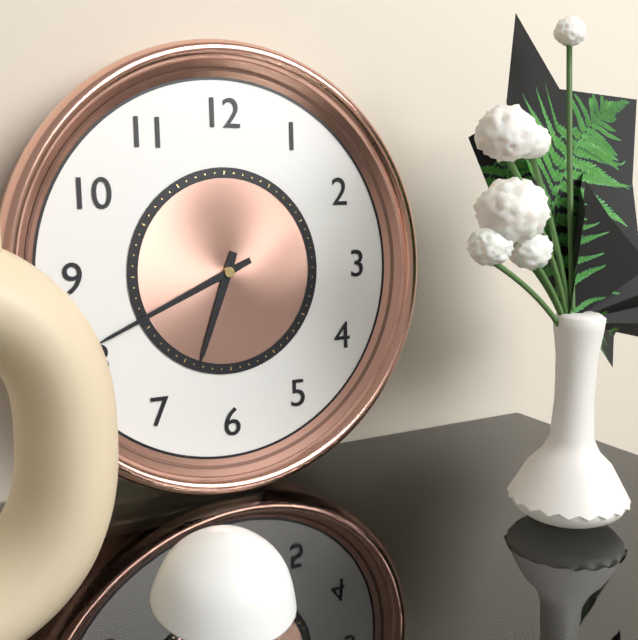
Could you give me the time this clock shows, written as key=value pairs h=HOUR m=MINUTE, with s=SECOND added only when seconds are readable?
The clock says h=6 m=41
